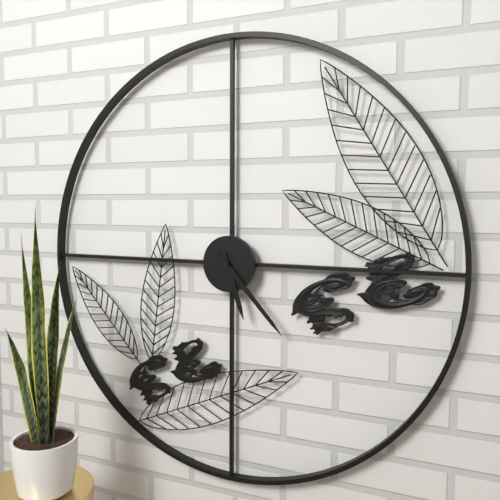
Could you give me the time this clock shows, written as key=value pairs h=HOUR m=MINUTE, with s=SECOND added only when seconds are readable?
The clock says h=5 m=23
